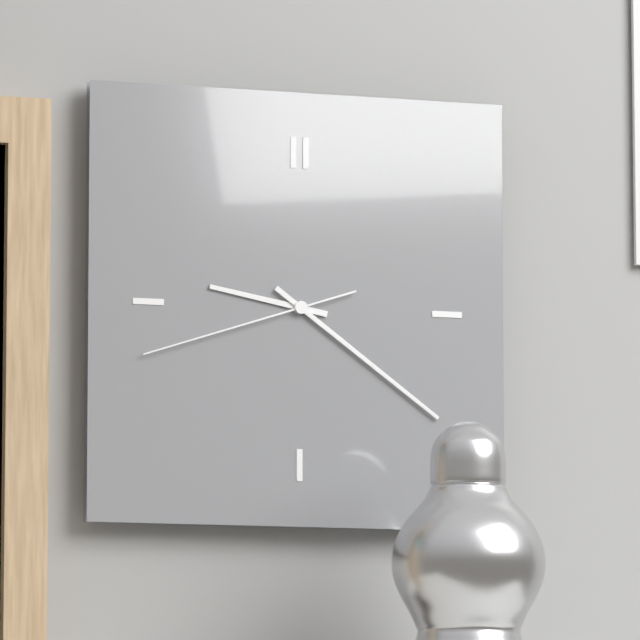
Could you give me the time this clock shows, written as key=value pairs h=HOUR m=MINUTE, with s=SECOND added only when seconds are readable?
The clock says h=9 m=21 s=42
